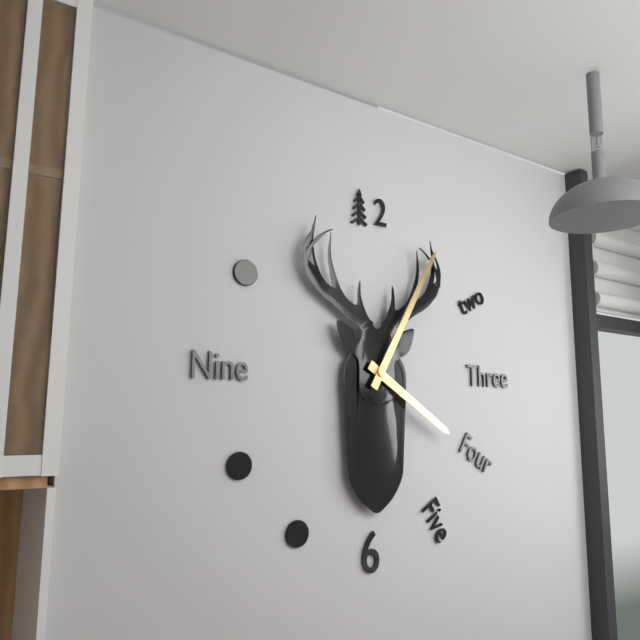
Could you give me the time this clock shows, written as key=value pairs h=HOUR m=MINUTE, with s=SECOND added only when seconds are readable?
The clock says h=4 m=5
